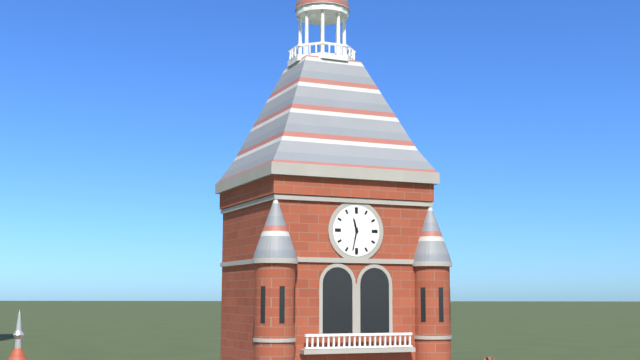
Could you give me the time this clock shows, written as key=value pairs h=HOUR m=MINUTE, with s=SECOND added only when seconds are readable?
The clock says h=11 m=32
